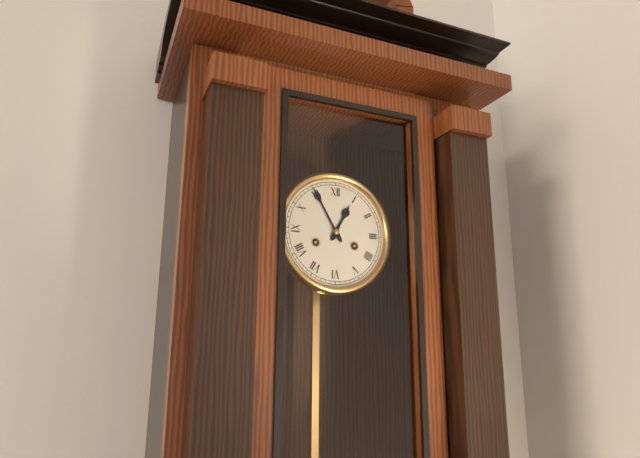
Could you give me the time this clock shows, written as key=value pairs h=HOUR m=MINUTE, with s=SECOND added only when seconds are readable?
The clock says h=12 m=55
